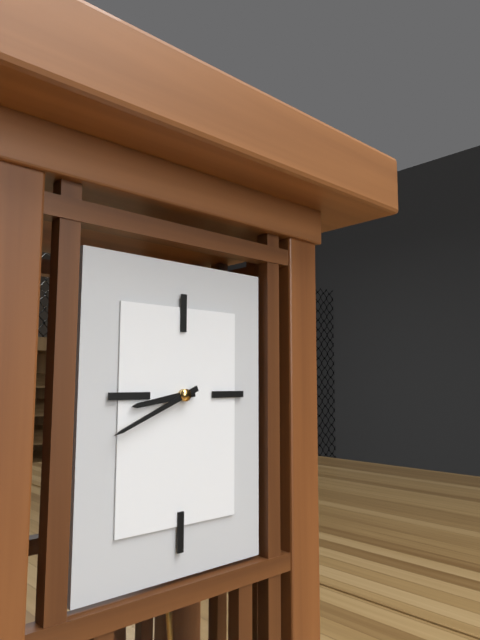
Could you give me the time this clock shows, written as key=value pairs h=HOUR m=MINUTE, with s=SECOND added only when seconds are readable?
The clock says h=8 m=41
